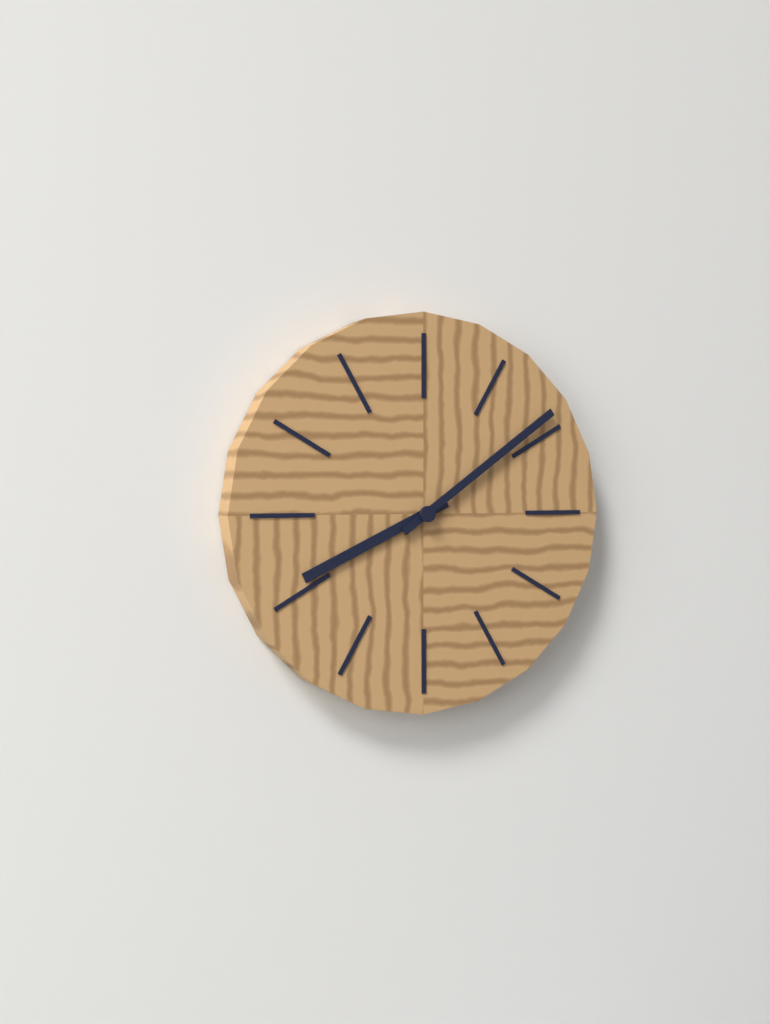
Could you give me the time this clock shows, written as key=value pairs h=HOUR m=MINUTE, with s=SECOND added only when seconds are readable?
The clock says h=8 m=9
